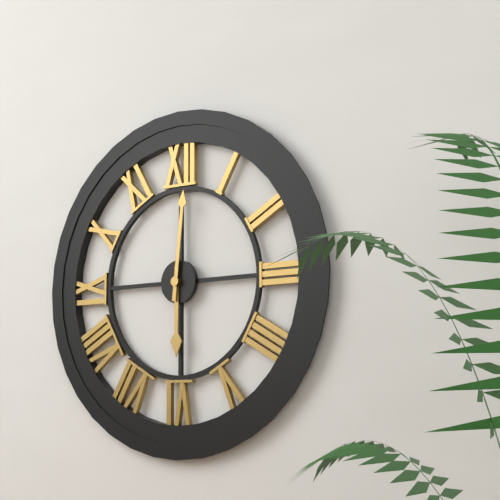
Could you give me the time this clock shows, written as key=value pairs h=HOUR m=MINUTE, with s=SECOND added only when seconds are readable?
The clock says h=6 m=1
